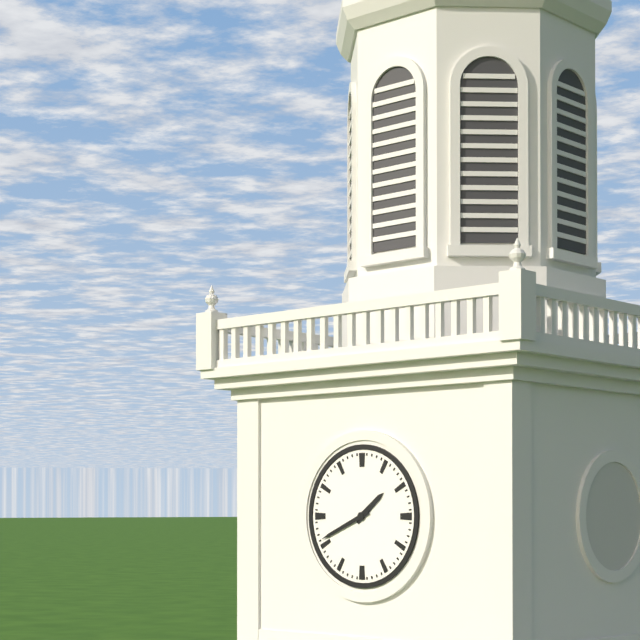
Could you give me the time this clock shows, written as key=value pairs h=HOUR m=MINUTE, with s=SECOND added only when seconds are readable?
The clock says h=1 m=41
